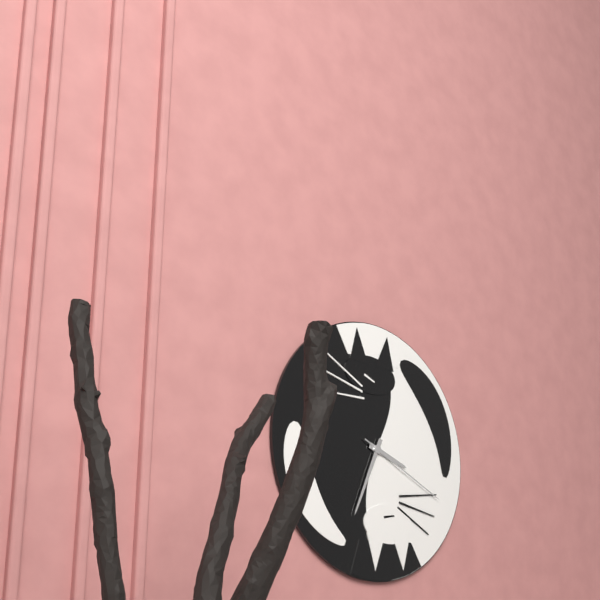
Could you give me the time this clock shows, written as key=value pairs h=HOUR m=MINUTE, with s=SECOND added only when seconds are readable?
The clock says h=3 m=34 s=19
